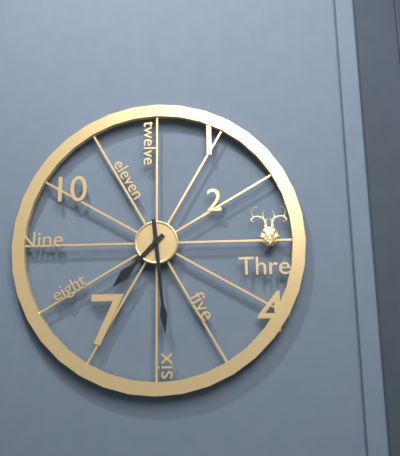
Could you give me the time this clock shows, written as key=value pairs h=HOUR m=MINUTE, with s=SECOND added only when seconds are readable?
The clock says h=7 m=29
